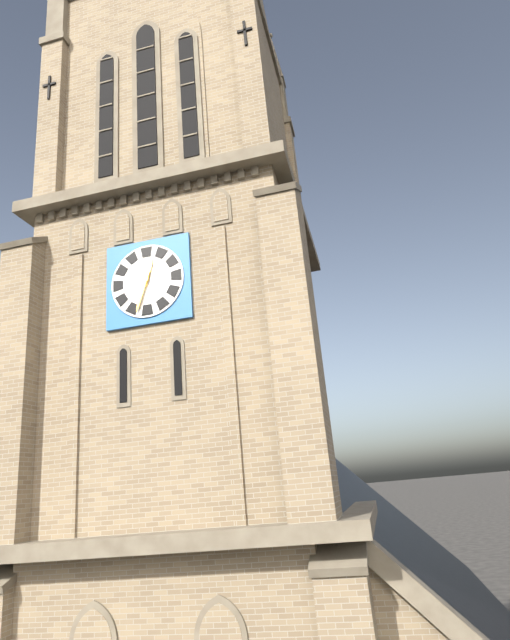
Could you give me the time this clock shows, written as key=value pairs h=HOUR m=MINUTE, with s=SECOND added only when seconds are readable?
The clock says h=12 m=33
